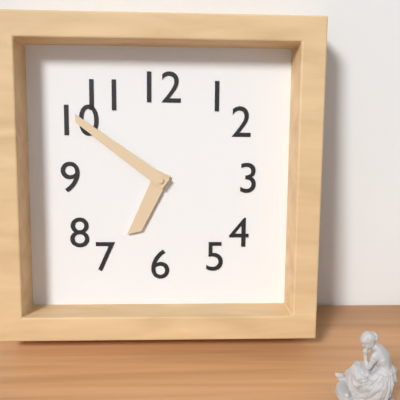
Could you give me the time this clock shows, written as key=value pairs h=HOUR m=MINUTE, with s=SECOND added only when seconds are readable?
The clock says h=6 m=51
